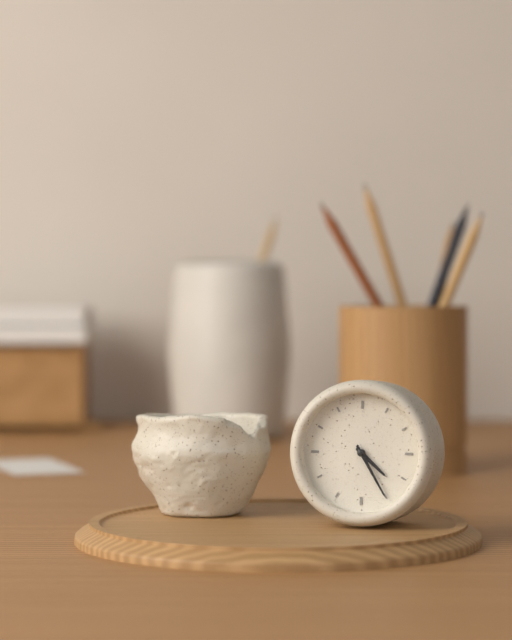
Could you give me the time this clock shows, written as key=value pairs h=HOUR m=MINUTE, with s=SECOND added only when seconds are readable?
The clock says h=4 m=25
